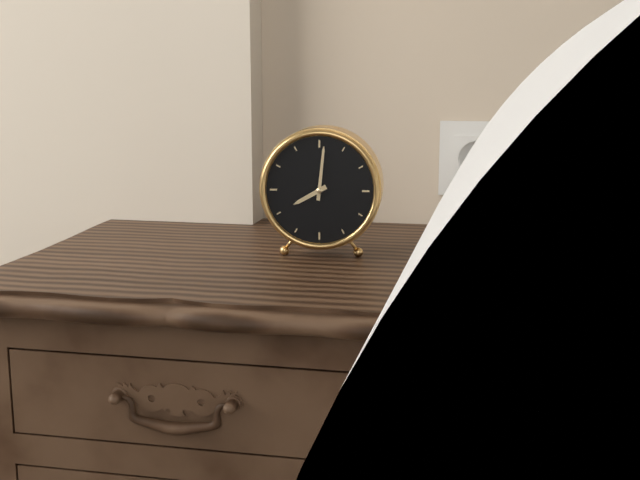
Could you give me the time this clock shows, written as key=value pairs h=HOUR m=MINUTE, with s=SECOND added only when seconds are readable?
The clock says h=8 m=1
